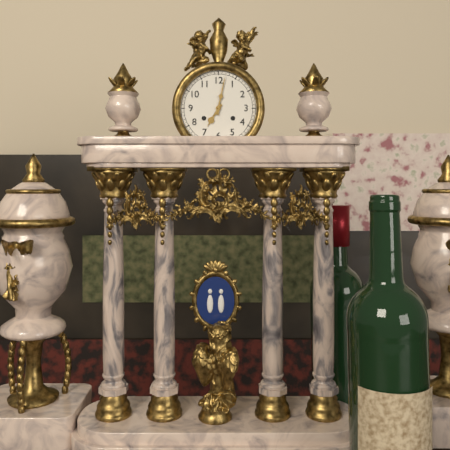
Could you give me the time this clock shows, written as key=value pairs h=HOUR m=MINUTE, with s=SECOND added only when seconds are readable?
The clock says h=7 m=2
